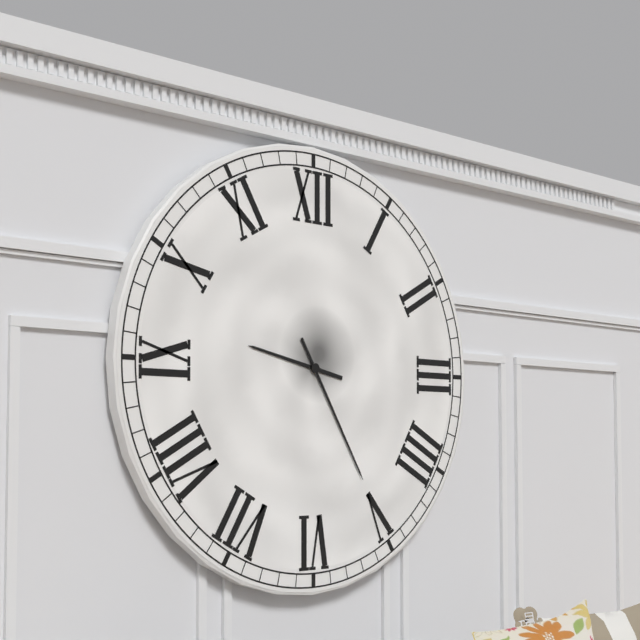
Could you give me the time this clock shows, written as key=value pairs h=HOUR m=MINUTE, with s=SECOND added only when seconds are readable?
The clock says h=9 m=25
